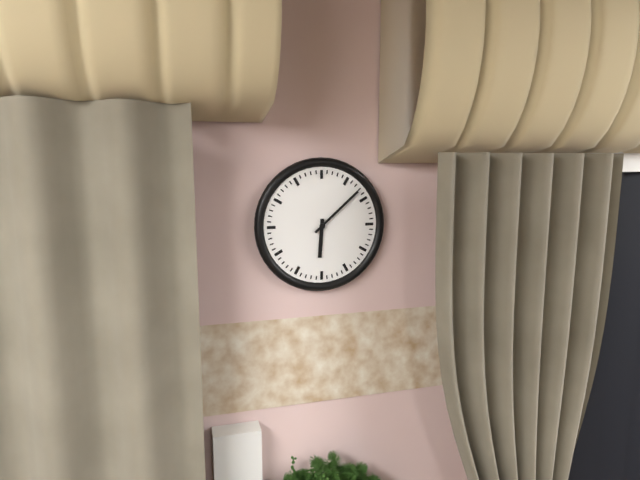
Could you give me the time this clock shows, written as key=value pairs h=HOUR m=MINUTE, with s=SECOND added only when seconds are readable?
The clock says h=6 m=8
